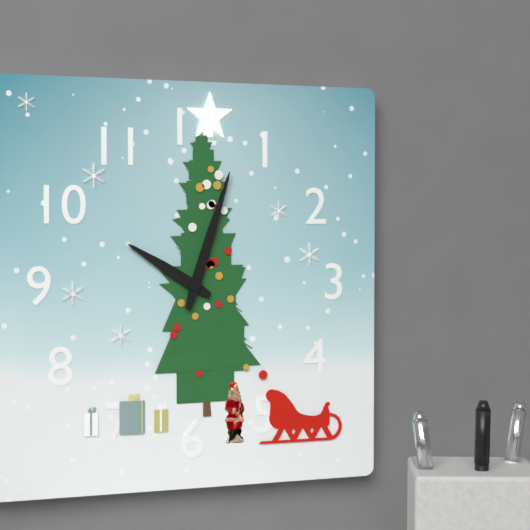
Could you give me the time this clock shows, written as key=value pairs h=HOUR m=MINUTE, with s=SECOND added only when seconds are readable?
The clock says h=10 m=3
